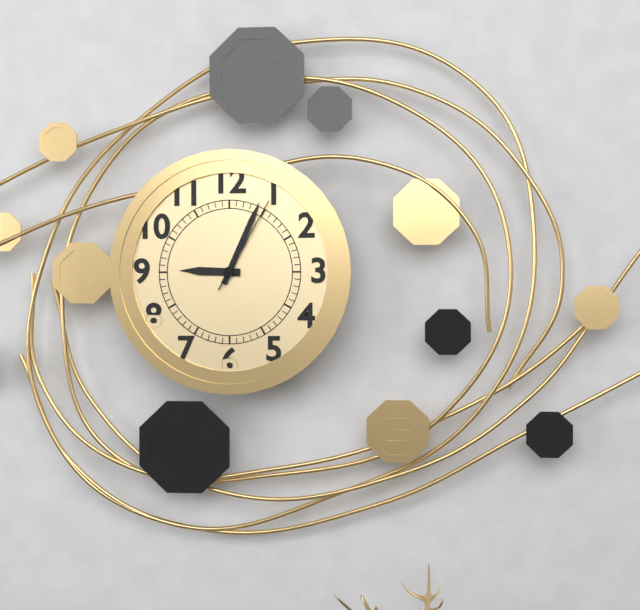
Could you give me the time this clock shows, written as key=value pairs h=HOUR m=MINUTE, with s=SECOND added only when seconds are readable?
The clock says h=9 m=4 s=5
